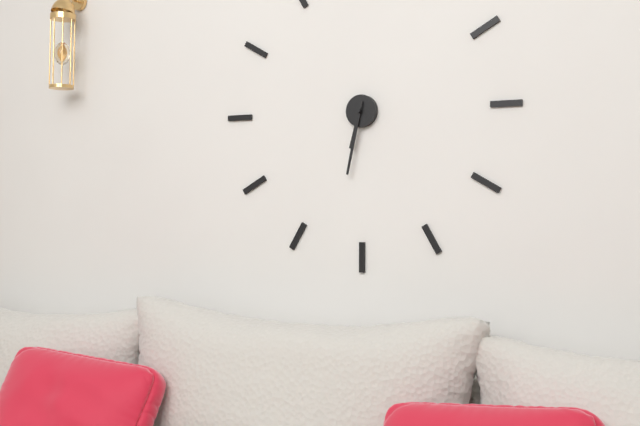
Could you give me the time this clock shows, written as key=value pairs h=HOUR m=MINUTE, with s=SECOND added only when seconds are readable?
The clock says h=6 m=32
